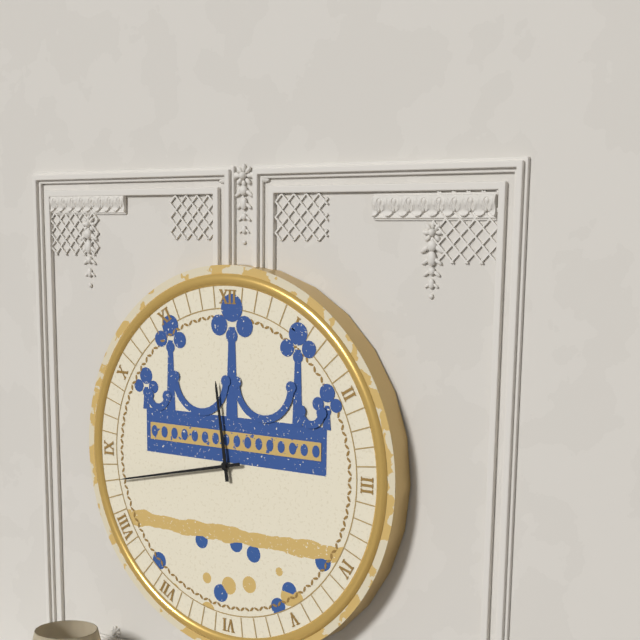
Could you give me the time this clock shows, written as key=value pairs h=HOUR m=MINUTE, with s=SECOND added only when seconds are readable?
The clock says h=11 m=43
